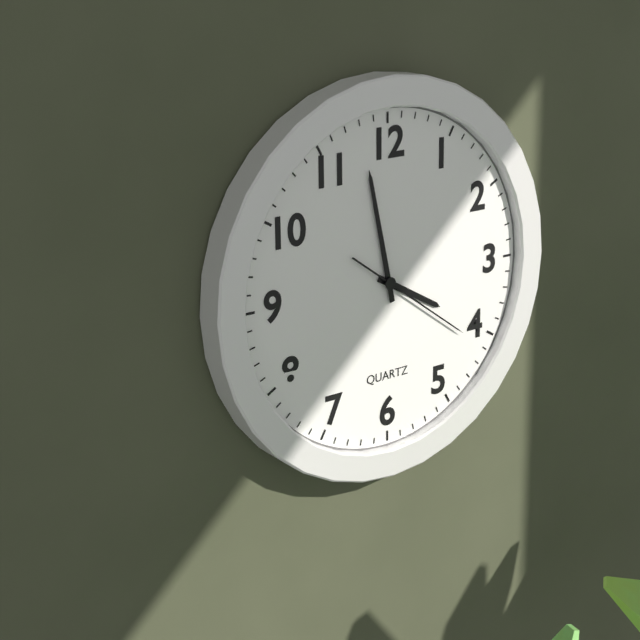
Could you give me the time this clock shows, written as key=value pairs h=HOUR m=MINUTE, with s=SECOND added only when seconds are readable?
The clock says h=3 m=58 s=21
